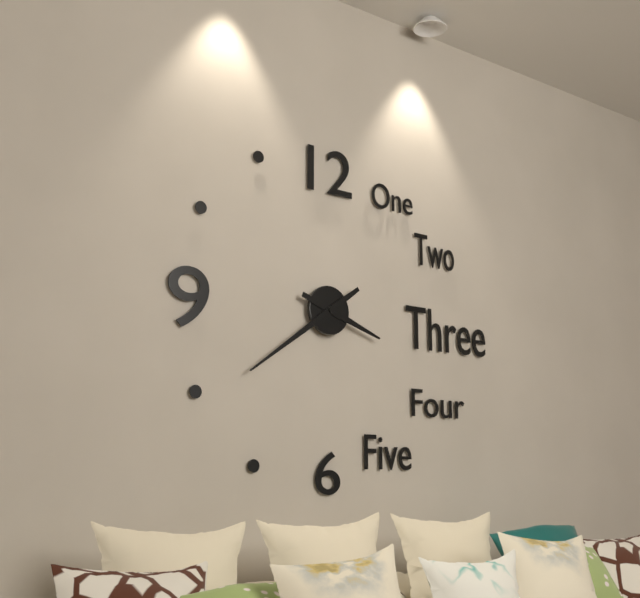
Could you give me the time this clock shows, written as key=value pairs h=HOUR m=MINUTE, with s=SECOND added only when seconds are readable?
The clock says h=3 m=39
